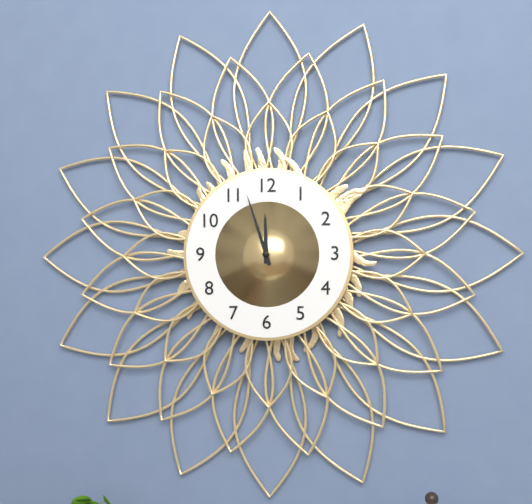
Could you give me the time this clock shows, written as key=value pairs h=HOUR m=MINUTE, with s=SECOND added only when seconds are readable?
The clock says h=11 m=57
